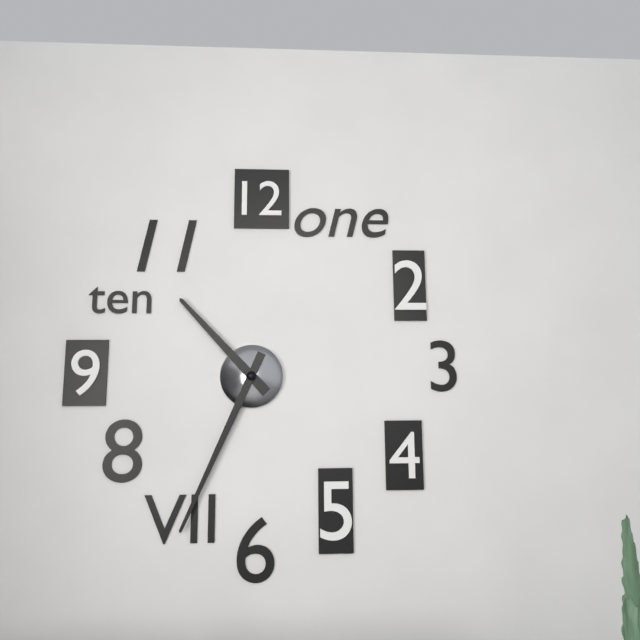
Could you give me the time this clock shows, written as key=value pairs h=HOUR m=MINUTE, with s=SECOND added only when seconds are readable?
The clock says h=10 m=34
